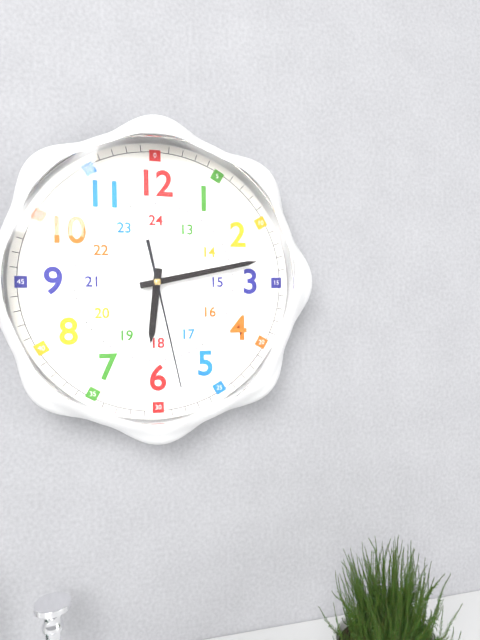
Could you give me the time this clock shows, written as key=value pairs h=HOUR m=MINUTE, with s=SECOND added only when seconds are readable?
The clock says h=6 m=13 s=28
